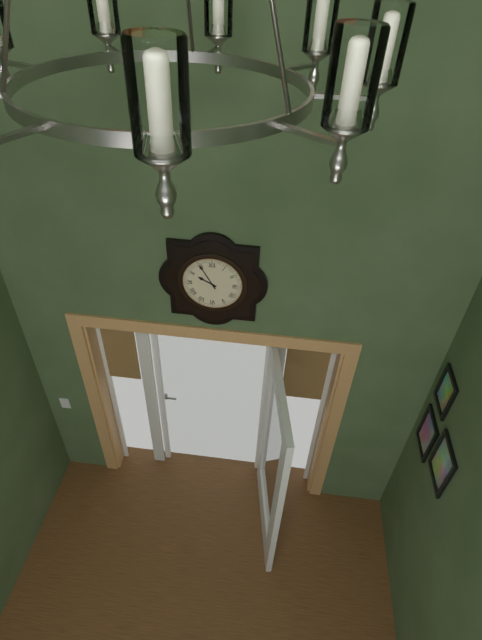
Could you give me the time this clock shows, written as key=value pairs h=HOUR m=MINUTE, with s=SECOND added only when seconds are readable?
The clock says h=9 m=55
